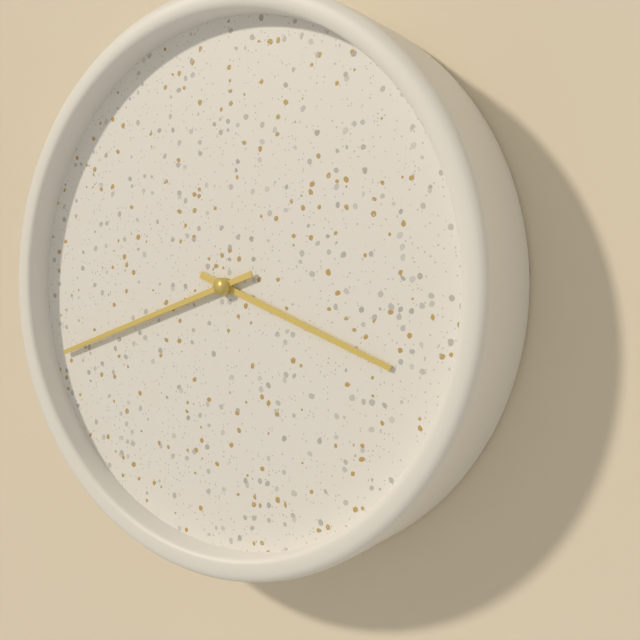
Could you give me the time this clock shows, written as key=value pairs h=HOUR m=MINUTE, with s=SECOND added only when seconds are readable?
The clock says h=3 m=42
